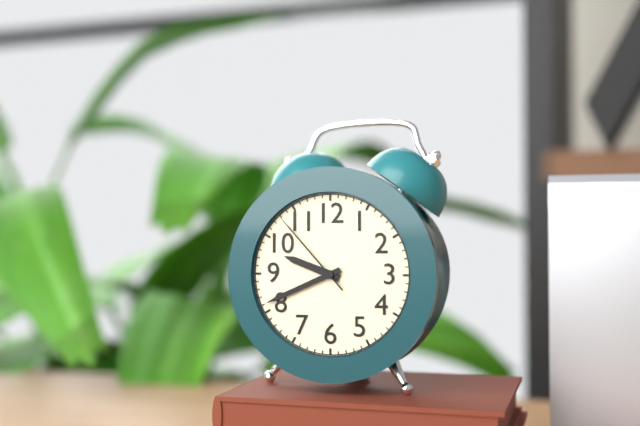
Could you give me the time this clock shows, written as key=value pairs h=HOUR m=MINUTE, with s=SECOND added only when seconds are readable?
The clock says h=9 m=41 s=53
